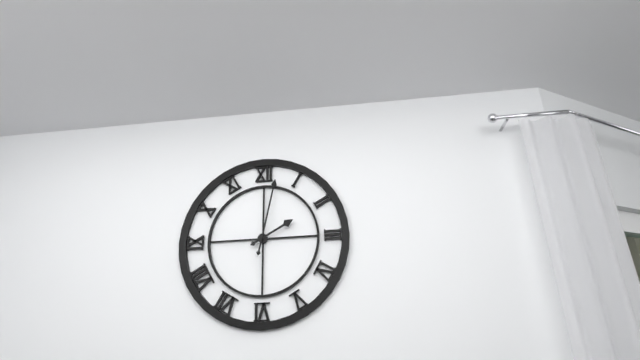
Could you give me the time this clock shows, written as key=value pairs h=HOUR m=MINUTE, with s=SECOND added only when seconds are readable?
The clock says h=2 m=2
